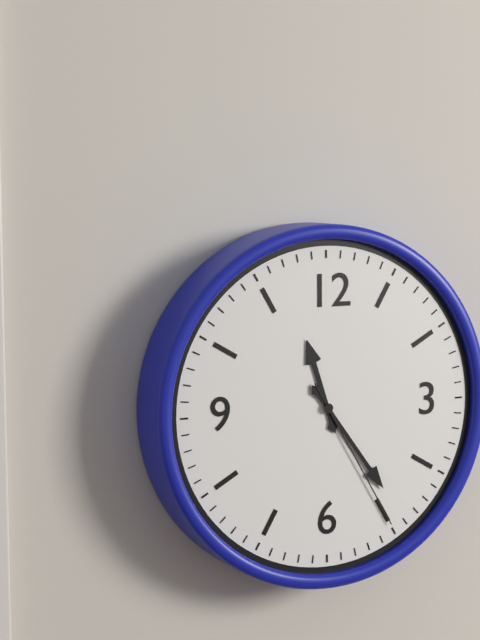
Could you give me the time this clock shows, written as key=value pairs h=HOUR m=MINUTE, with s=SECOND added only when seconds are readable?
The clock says h=11 m=24 s=25
